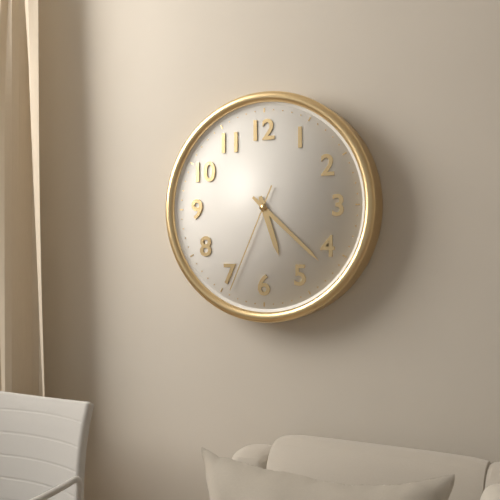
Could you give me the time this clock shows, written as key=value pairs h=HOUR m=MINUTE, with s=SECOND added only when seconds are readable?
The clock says h=5 m=22 s=34
